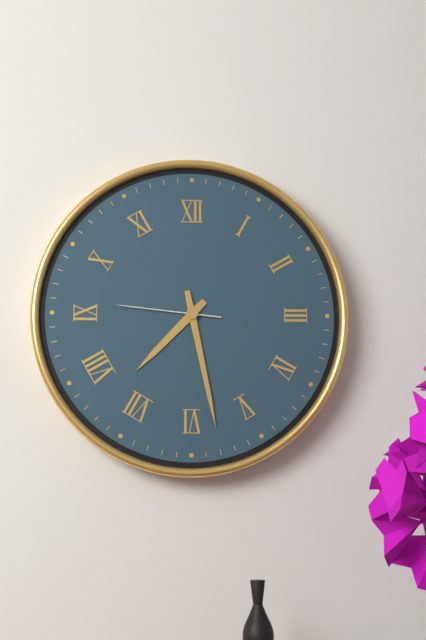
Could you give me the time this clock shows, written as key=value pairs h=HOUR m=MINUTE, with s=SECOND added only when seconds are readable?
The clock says h=7 m=28 s=46
